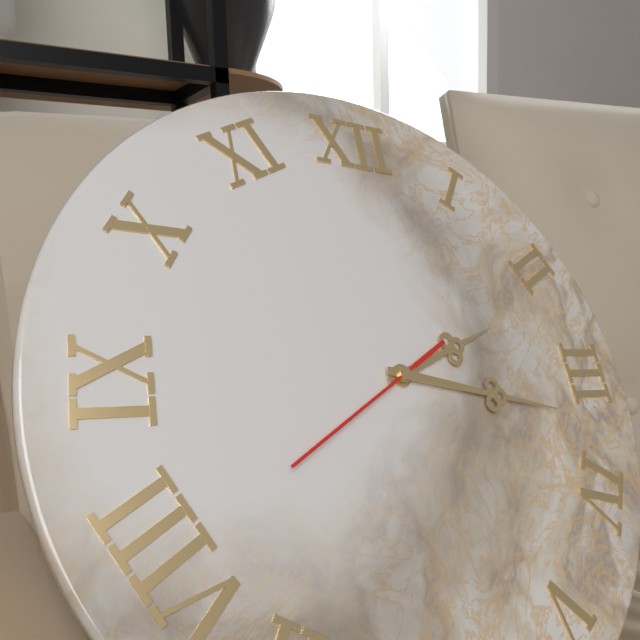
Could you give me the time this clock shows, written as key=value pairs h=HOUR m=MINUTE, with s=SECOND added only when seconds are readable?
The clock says h=2 m=17 s=40
